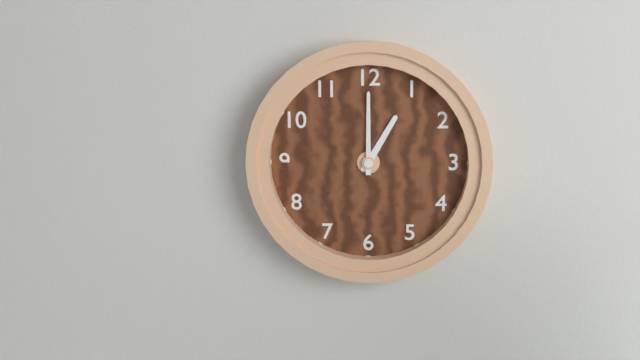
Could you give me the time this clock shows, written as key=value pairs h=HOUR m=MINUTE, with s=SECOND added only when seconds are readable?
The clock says h=1 m=0
